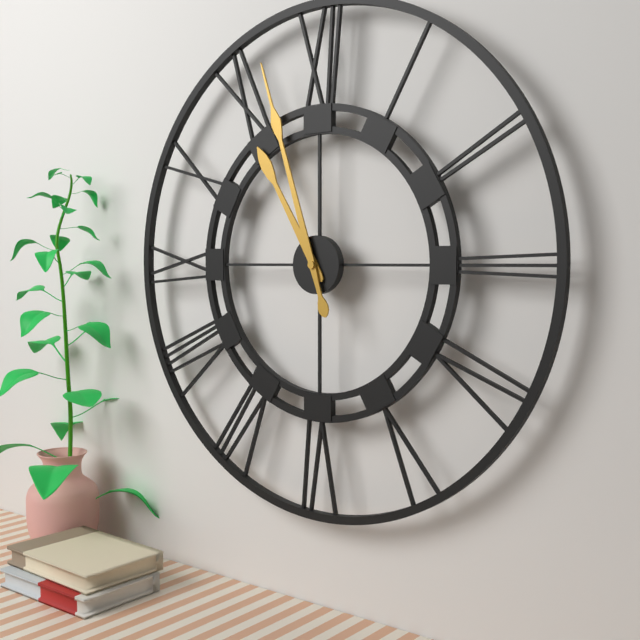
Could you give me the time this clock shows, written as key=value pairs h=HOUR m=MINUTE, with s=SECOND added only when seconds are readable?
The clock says h=10 m=57
